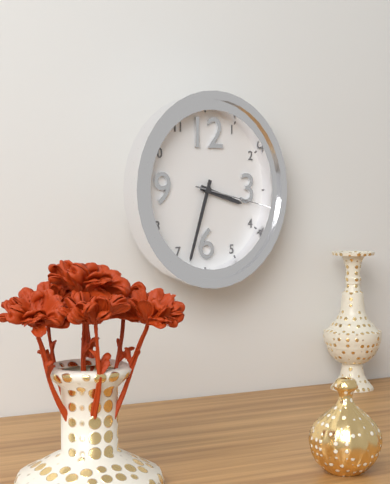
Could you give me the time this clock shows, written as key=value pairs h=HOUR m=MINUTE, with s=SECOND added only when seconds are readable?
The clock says h=3 m=33 s=17
